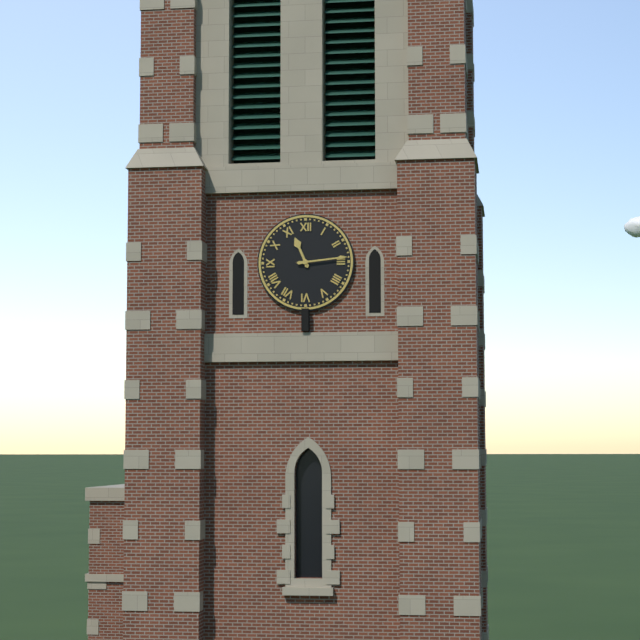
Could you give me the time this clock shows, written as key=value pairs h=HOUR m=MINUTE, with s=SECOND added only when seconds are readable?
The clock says h=11 m=14
